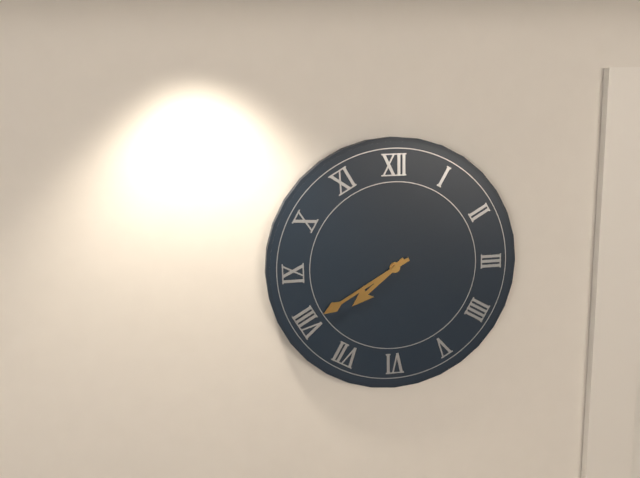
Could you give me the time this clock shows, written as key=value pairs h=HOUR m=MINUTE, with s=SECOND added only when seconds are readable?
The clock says h=7 m=40
